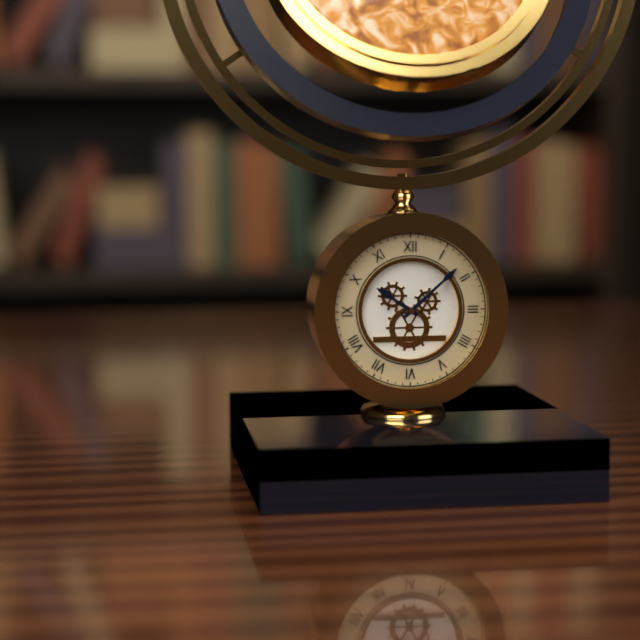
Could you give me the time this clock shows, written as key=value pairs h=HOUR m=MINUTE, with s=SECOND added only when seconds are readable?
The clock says h=10 m=8
